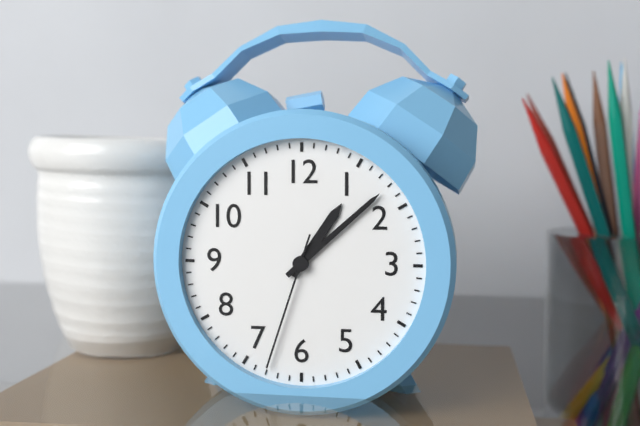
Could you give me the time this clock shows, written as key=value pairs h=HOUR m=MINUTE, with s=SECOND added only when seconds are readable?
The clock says h=1 m=8 s=33
